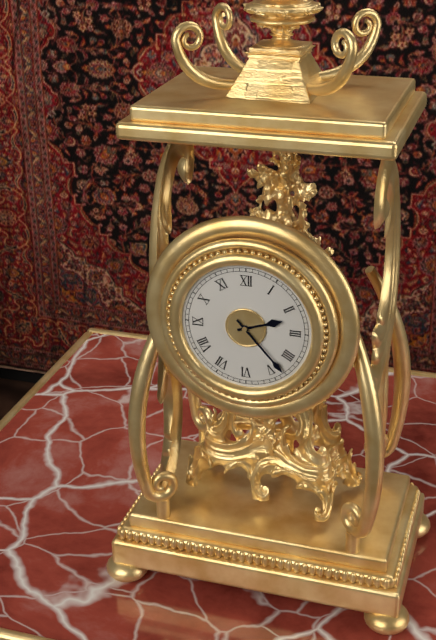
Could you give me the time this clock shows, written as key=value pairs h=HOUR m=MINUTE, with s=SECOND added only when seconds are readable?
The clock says h=2 m=23
